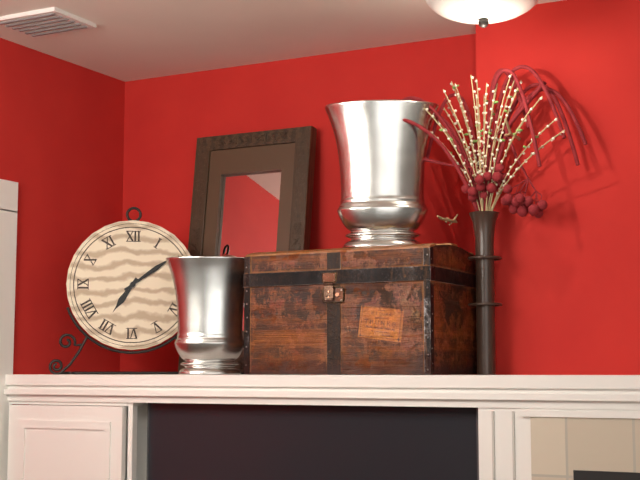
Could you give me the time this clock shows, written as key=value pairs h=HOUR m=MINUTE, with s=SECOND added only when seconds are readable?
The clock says h=7 m=9
